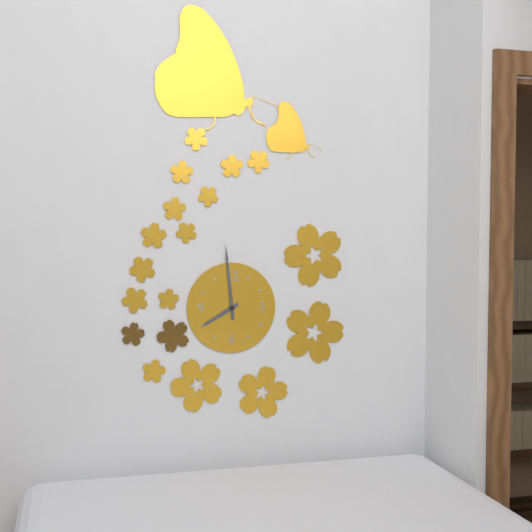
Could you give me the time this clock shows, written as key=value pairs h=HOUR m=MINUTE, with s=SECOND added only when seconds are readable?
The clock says h=7 m=59
